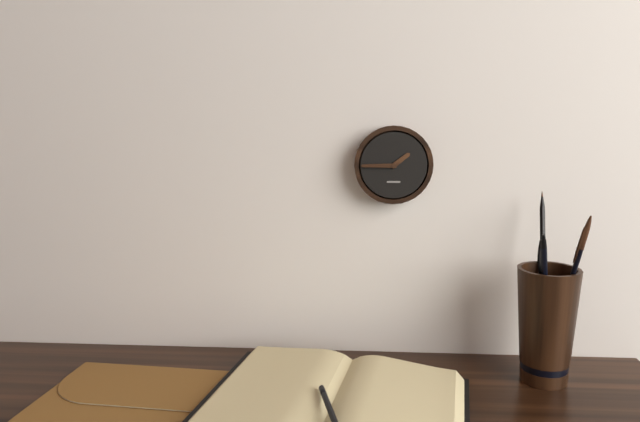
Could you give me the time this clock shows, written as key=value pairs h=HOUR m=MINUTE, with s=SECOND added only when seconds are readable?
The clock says h=1 m=45
